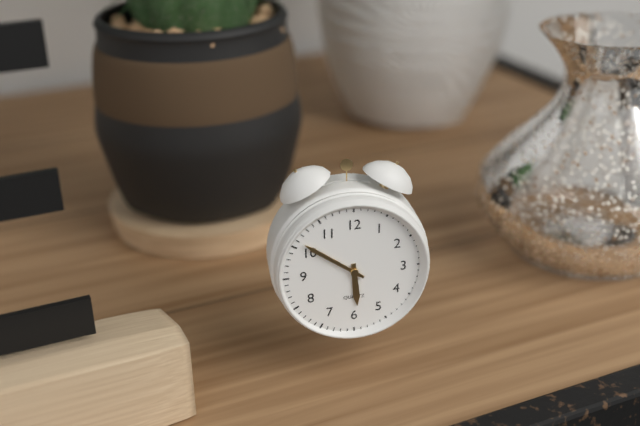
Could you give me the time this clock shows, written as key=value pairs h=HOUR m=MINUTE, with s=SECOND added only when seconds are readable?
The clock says h=5 m=51
